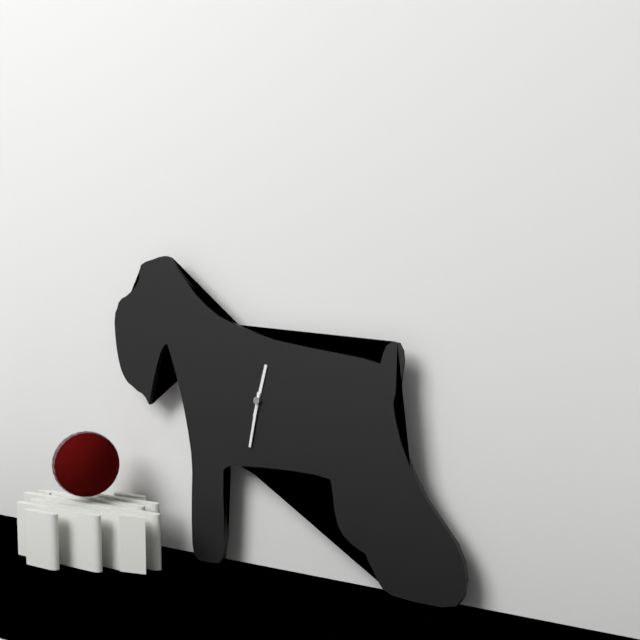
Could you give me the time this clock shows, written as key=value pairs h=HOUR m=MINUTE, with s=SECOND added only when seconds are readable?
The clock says h=12 m=32
